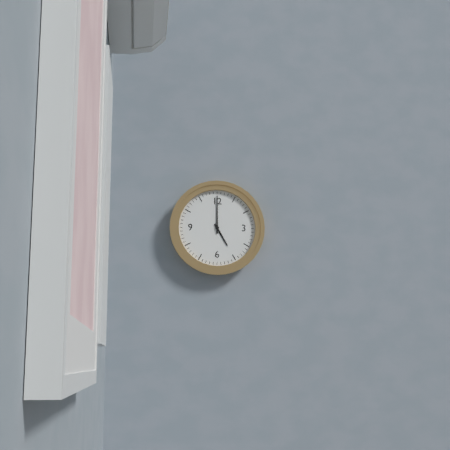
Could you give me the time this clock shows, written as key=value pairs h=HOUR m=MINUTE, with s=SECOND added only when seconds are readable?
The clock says h=5 m=0
